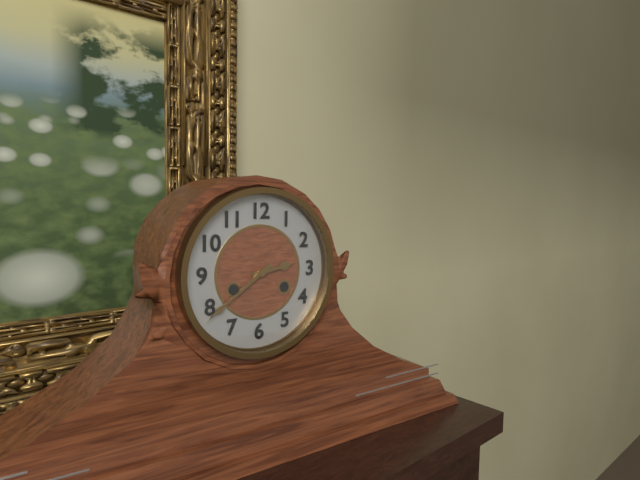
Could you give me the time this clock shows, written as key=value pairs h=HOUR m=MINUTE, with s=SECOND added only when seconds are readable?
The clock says h=2 m=39
